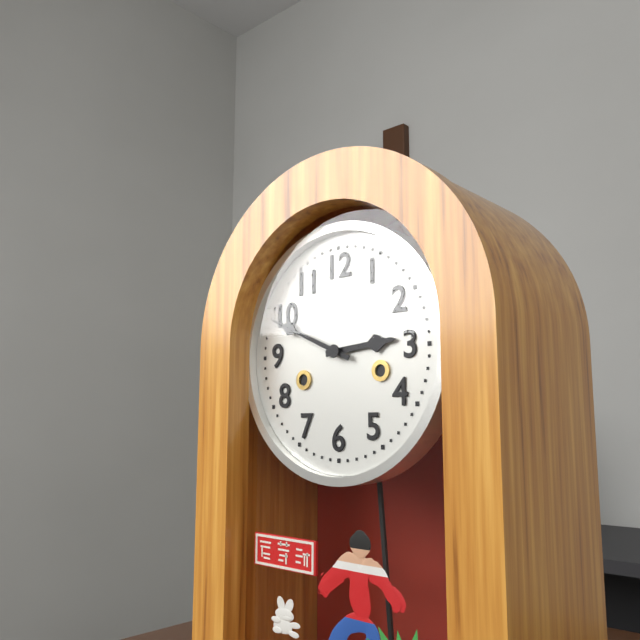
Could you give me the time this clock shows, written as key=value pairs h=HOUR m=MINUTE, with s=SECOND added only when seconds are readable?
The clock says h=2 m=49
